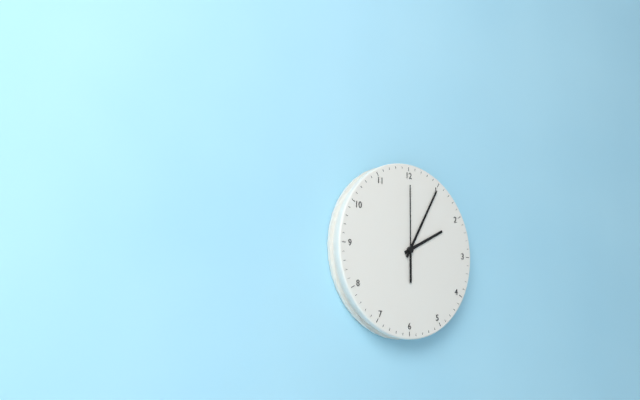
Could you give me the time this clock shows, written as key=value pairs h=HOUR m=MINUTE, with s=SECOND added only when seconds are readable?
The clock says h=2 m=5 s=0
